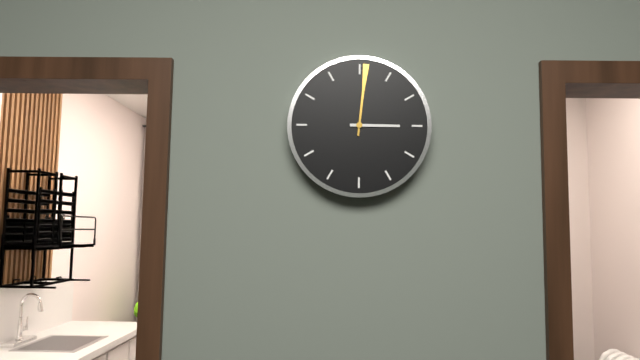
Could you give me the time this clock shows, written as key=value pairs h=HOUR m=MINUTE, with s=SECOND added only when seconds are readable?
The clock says h=3 m=1
